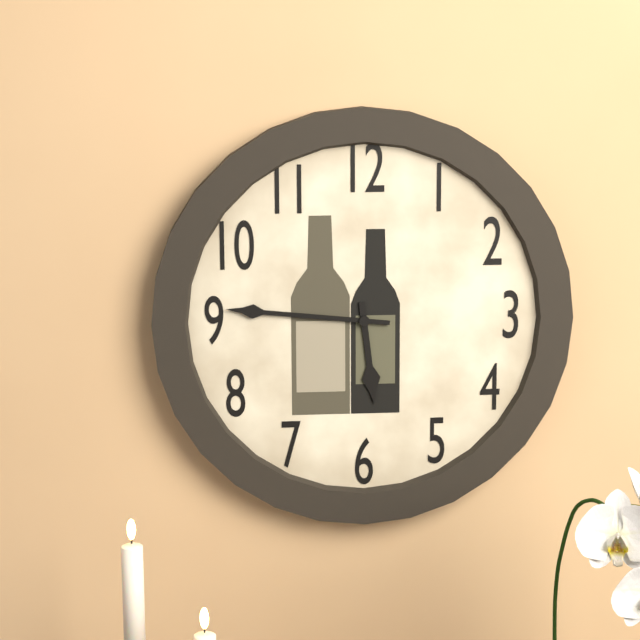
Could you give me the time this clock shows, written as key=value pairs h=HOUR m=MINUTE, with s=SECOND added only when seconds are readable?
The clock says h=5 m=46
